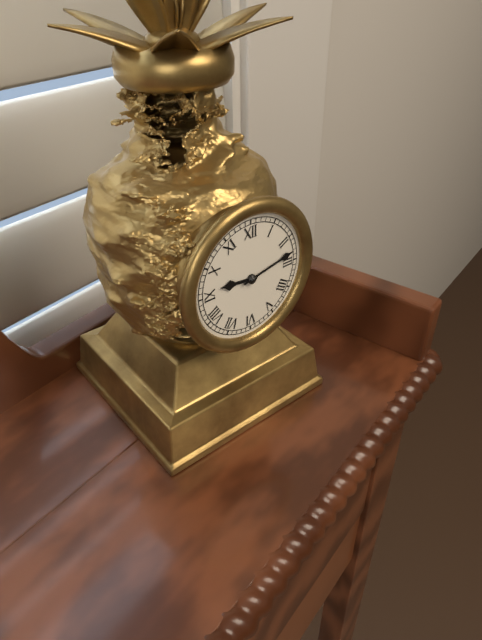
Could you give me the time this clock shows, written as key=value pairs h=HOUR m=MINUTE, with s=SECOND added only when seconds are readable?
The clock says h=9 m=13
